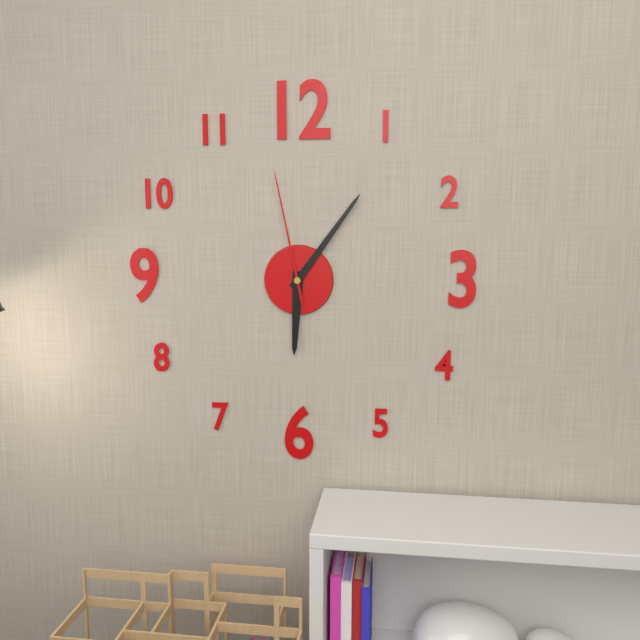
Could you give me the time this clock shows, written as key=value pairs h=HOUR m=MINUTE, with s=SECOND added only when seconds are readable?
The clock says h=6 m=6 s=58
